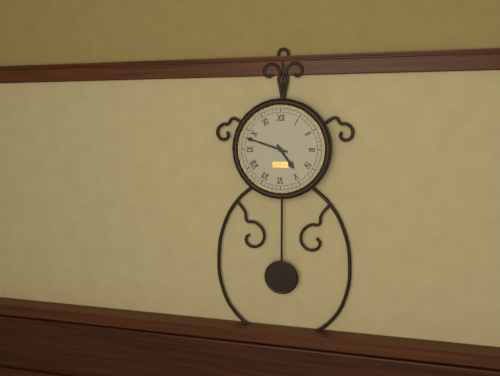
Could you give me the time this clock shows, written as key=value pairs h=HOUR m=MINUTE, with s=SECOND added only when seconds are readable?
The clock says h=4 m=48
